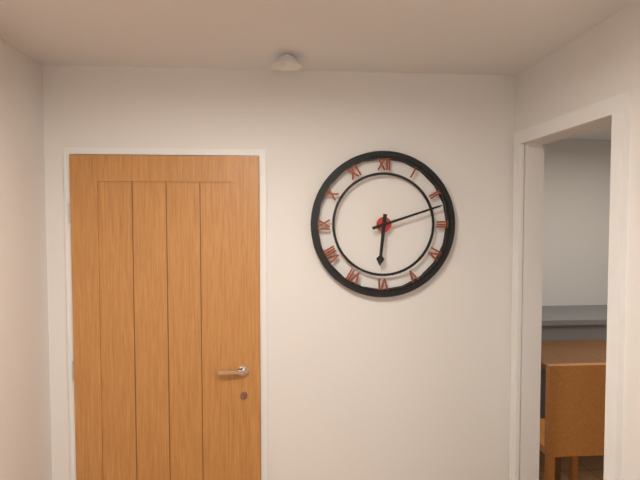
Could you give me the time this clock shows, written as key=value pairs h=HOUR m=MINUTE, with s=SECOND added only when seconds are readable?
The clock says h=6 m=12
